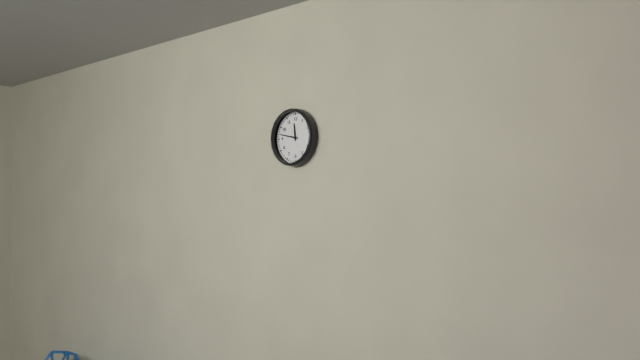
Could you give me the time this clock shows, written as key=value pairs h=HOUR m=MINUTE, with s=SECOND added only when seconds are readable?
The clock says h=11 m=47
